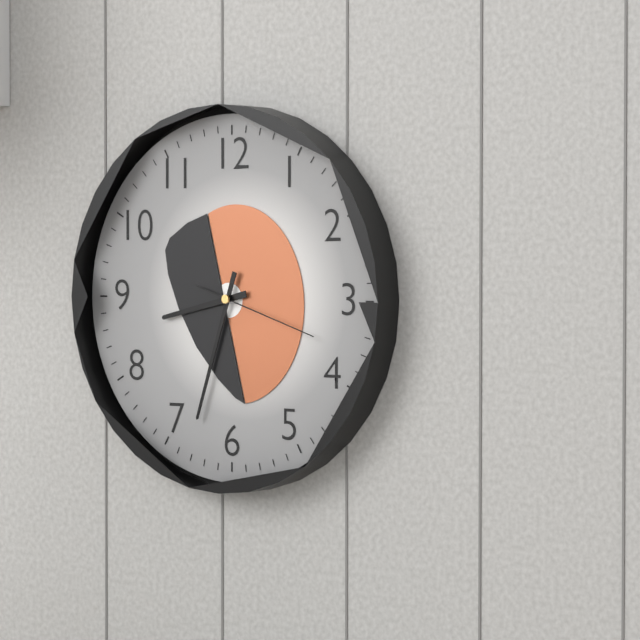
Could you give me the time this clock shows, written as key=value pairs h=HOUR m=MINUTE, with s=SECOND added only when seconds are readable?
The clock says h=8 m=33 s=18
